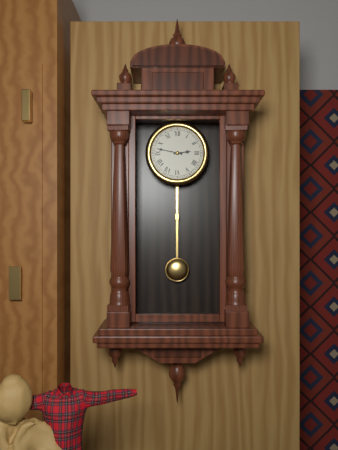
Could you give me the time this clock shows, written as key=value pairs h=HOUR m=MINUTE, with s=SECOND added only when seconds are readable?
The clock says h=2 m=47
